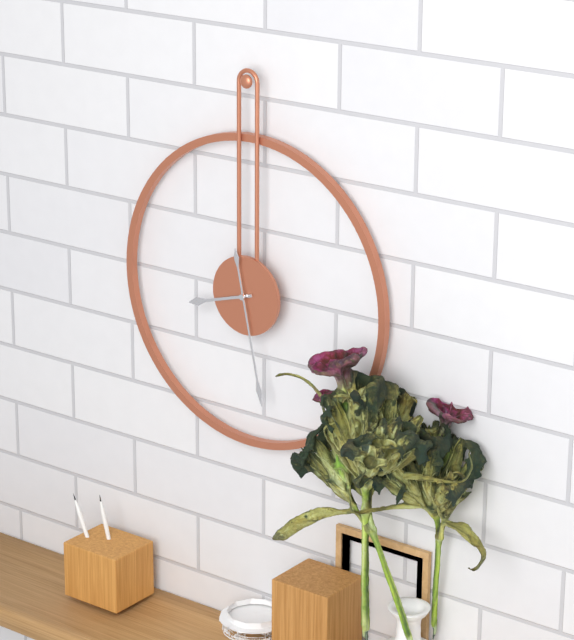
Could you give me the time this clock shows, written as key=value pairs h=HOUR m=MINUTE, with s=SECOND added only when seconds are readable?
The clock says h=8 m=28
